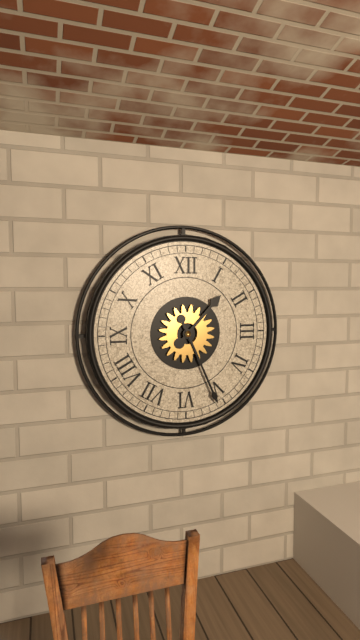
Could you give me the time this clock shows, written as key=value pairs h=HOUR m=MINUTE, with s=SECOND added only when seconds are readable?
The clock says h=1 m=26
